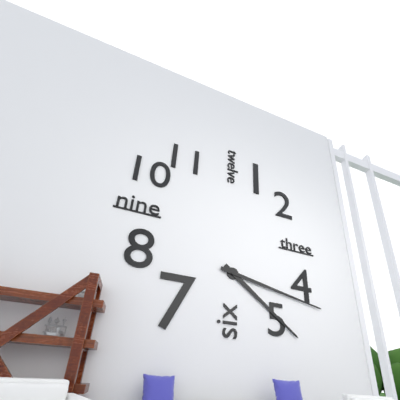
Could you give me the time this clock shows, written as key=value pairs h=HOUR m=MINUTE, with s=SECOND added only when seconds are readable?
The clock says h=4 m=17
